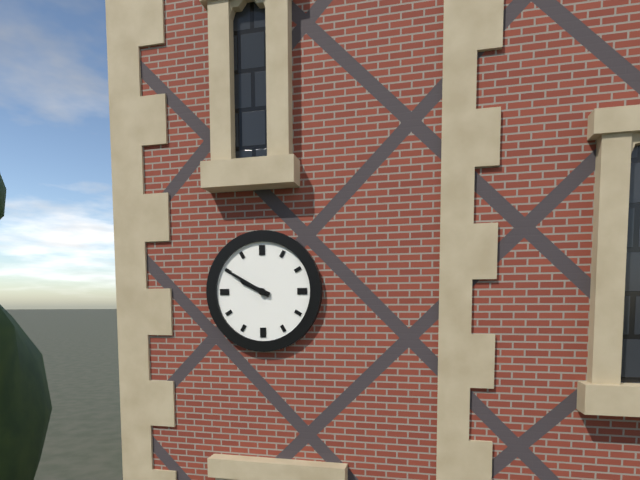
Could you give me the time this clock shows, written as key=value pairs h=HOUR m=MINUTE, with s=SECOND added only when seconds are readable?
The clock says h=9 m=50
